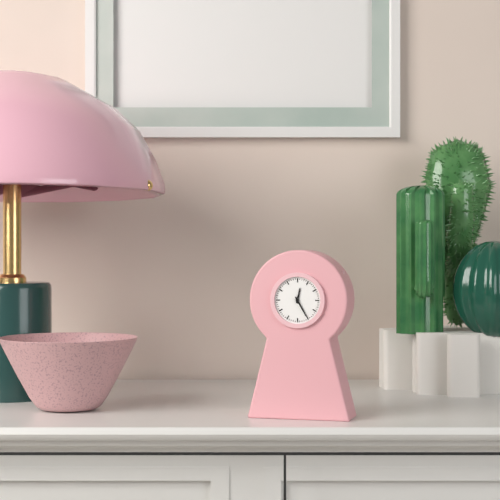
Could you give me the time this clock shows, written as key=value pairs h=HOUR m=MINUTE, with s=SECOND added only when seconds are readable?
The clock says h=12 m=25
